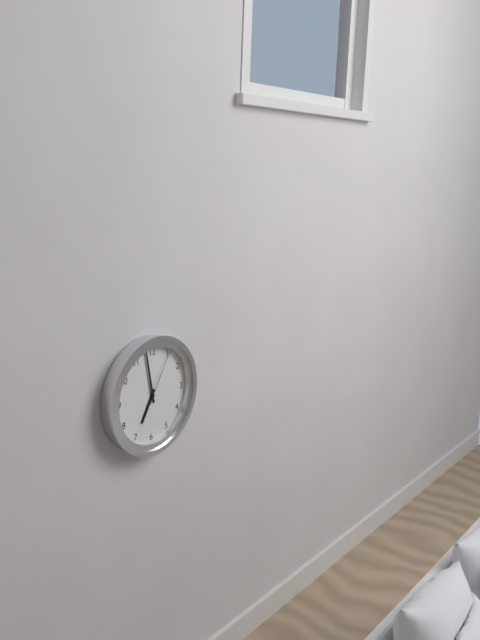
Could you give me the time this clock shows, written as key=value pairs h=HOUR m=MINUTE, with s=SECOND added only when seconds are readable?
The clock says h=6 m=58 s=5
